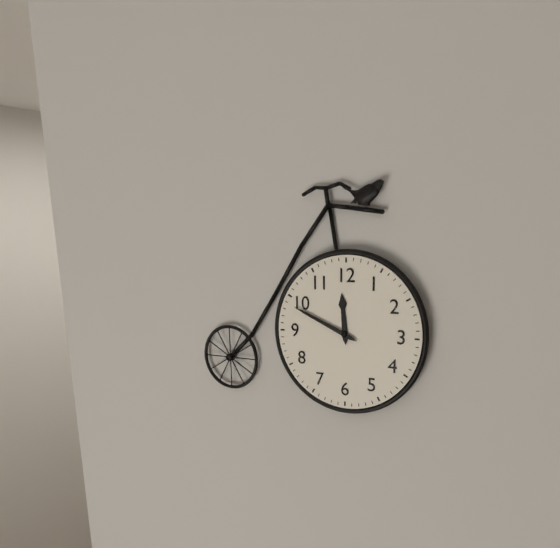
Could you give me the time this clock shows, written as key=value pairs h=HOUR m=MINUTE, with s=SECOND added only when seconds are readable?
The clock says h=11 m=49
